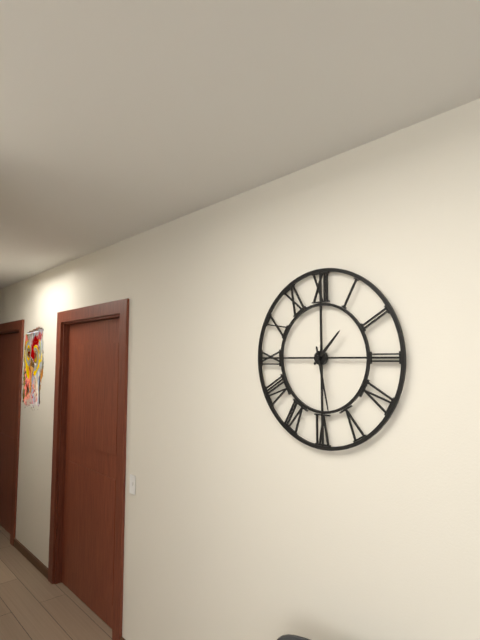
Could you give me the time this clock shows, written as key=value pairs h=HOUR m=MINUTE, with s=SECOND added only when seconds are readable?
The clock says h=1 m=28
